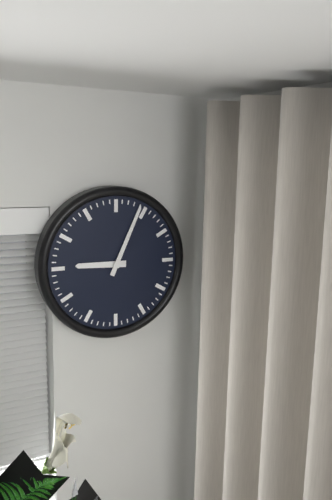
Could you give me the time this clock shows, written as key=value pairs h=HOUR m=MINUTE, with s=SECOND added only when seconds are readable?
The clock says h=9 m=4
